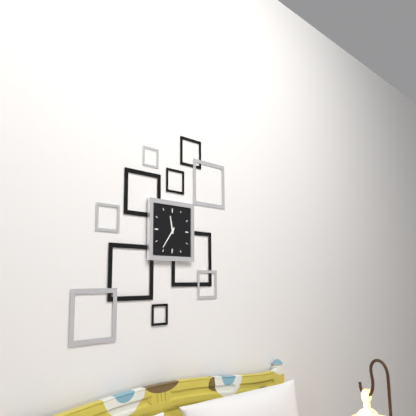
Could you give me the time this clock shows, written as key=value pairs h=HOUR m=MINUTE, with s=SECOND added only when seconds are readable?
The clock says h=11 m=36
